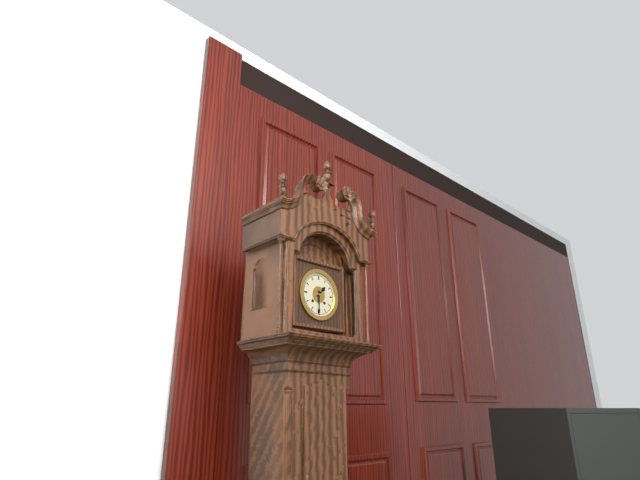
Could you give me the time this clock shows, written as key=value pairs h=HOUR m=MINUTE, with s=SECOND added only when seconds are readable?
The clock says h=1 m=30
